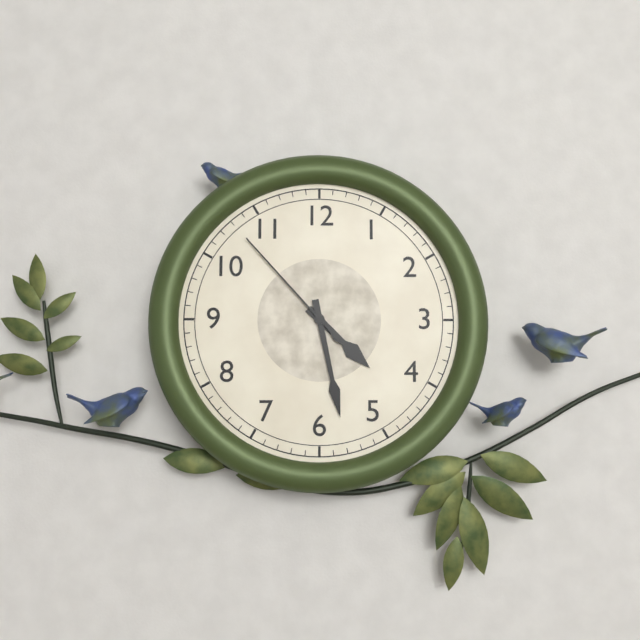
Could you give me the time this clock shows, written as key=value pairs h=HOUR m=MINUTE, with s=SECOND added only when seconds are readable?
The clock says h=4 m=28 s=53
